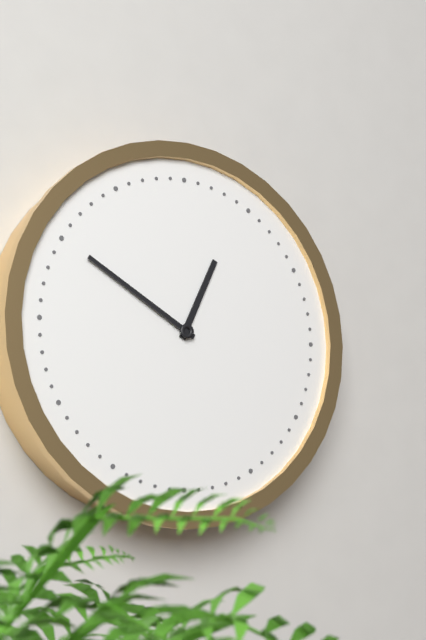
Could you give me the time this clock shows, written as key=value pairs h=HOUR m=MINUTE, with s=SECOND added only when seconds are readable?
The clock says h=12 m=50
